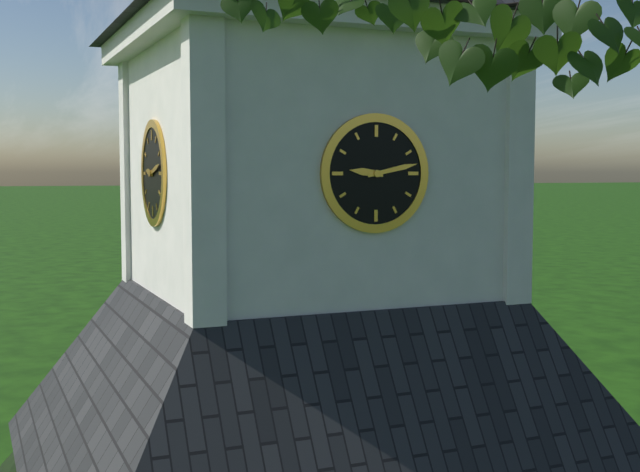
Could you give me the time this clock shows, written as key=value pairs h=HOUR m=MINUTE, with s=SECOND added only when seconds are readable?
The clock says h=9 m=13
